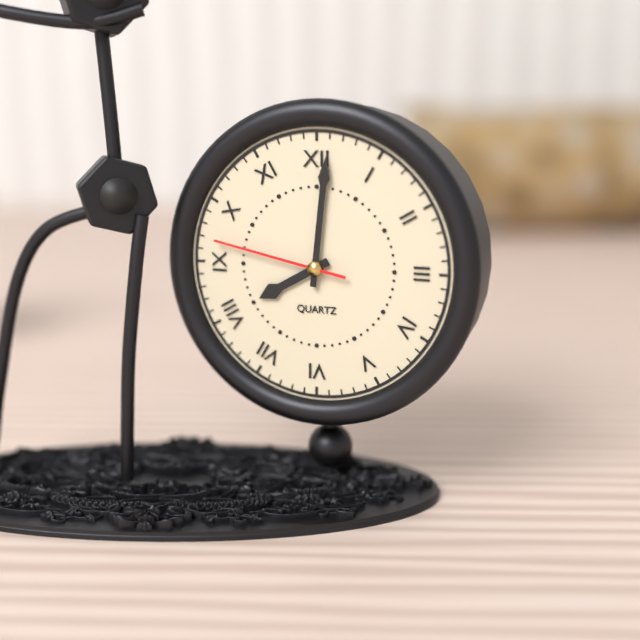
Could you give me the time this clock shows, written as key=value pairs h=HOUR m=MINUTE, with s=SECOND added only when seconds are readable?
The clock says h=8 m=1 s=47
